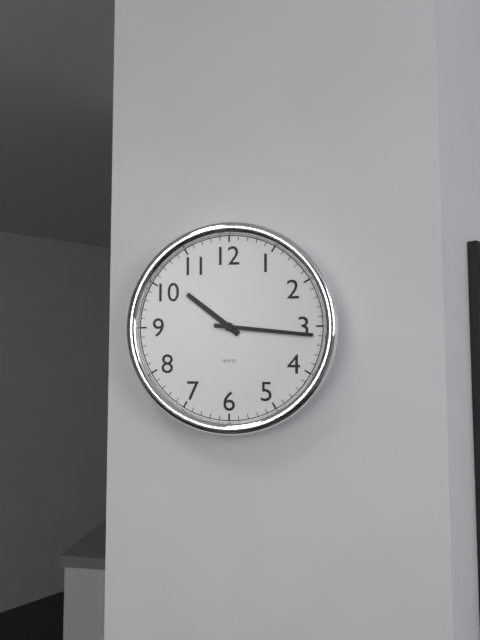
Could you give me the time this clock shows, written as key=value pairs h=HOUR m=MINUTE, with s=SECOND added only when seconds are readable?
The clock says h=10 m=16
